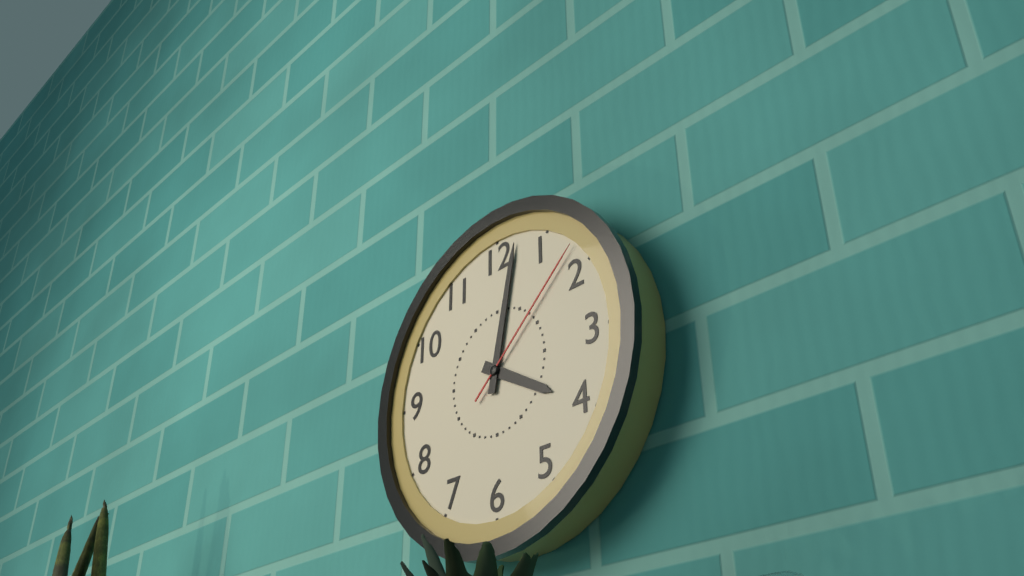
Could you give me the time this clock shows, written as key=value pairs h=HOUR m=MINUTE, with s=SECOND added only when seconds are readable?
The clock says h=4 m=2 s=8
